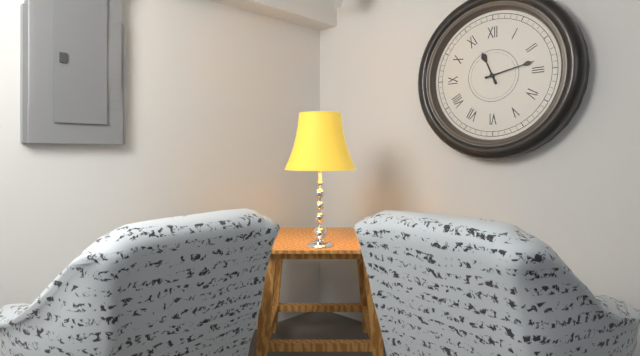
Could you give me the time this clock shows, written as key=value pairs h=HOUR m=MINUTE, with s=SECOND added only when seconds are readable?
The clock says h=11 m=13
